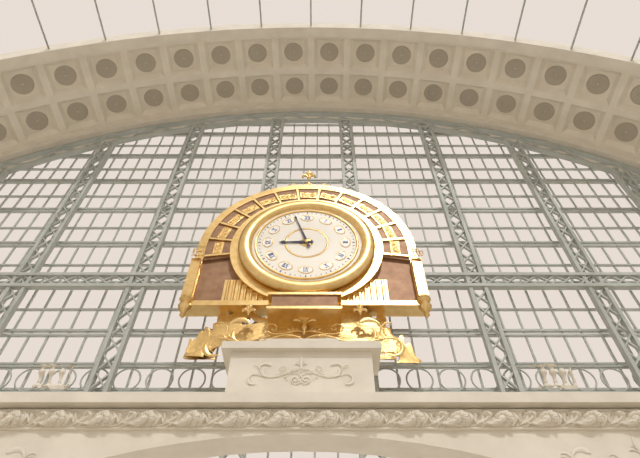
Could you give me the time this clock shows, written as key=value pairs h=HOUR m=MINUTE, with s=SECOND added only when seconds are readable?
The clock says h=8 m=57
